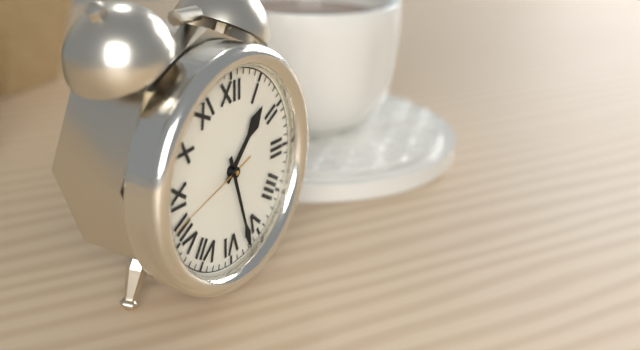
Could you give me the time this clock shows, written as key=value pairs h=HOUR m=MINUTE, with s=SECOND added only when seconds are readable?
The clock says h=1 m=27 s=42
